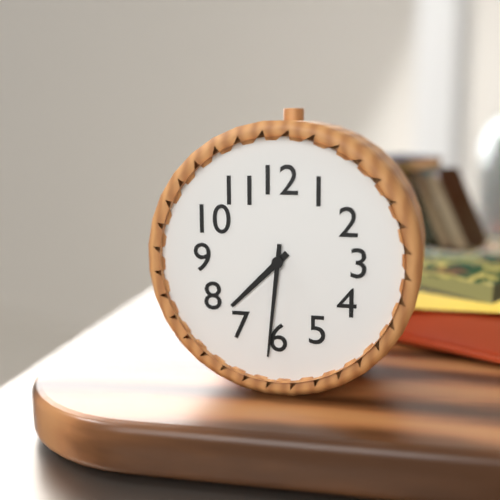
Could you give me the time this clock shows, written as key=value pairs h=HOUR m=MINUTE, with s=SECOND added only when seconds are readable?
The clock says h=7 m=31
